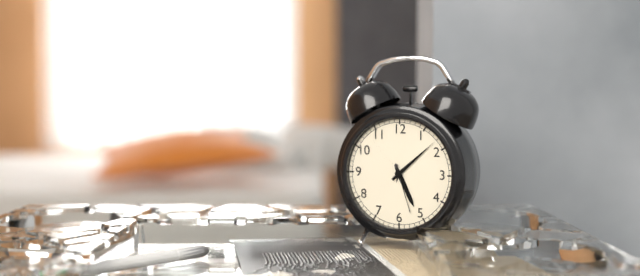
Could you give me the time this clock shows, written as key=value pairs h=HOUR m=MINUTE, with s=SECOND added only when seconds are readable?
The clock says h=5 m=8 s=27
